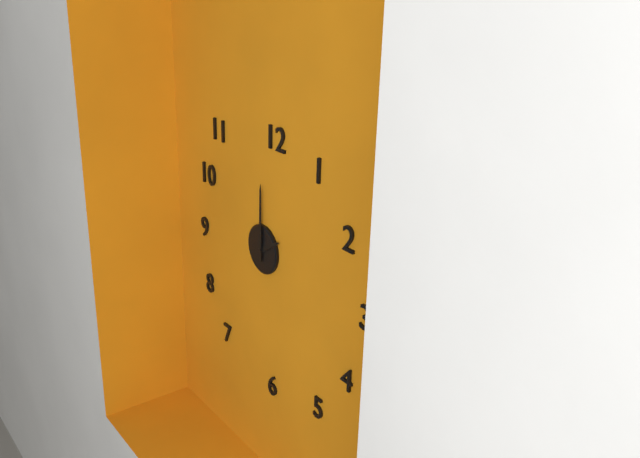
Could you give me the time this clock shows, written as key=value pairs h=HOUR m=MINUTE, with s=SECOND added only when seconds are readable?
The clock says h=2 m=0
